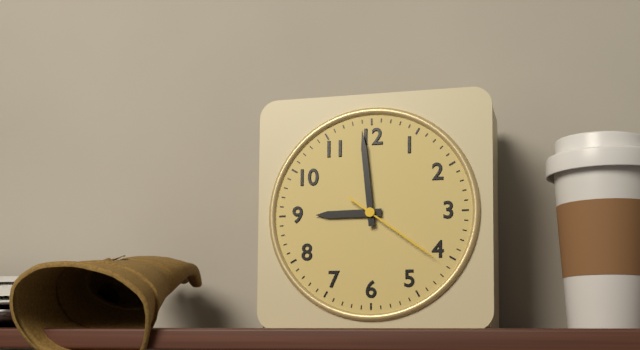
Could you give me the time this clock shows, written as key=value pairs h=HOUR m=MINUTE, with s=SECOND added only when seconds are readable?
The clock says h=8 m=59 s=21
